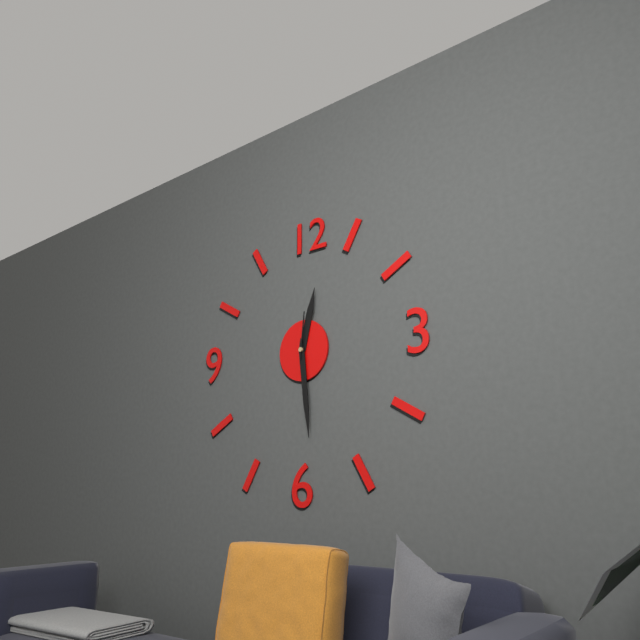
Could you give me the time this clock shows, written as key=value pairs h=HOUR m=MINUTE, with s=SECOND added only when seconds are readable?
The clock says h=12 m=29
